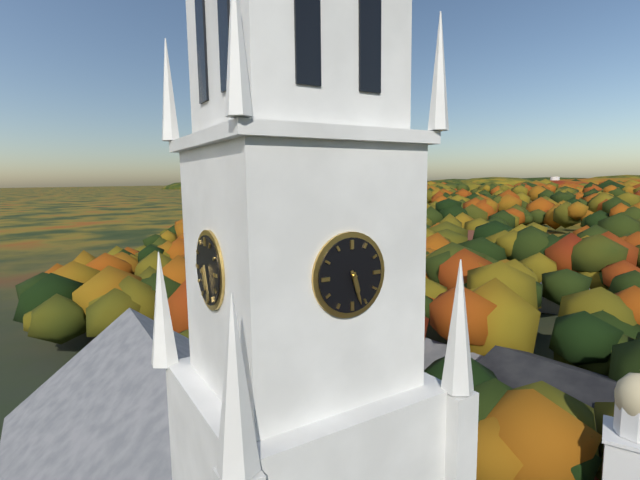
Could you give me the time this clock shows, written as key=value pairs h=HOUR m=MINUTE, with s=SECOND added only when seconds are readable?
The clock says h=5 m=27
